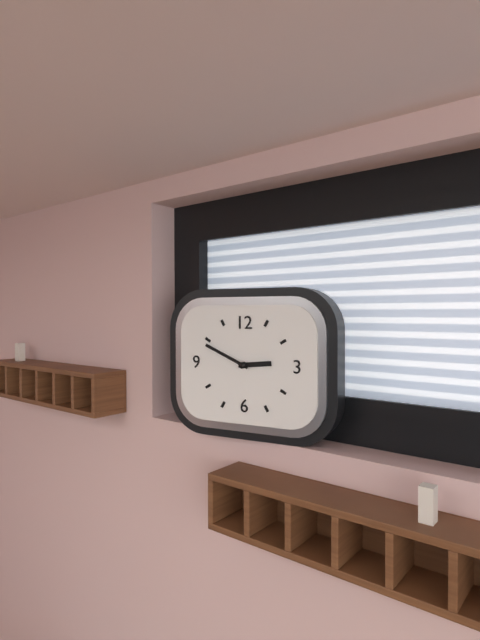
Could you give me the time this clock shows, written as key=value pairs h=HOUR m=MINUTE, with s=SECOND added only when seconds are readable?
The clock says h=2 m=49
